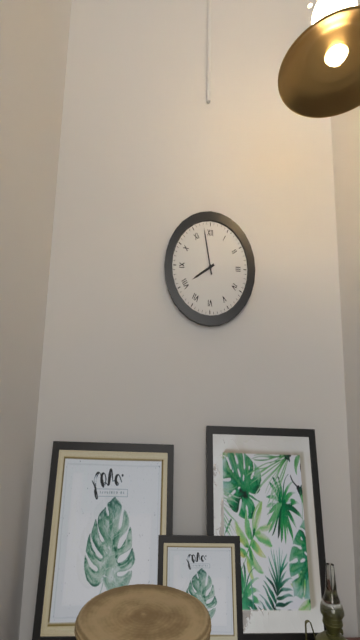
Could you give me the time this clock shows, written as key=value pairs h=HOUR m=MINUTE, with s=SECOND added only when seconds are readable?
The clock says h=7 m=58
